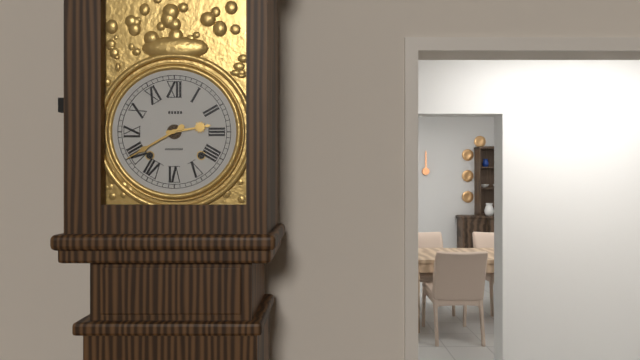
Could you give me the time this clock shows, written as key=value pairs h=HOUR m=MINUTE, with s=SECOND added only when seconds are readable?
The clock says h=2 m=40
